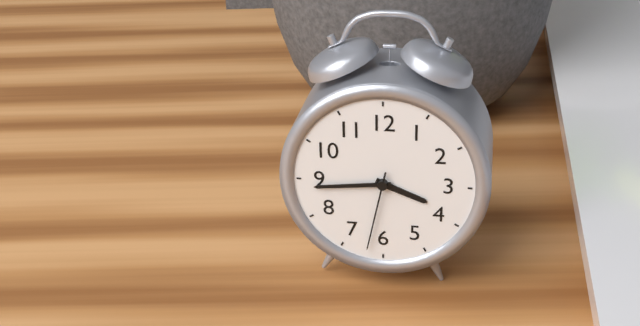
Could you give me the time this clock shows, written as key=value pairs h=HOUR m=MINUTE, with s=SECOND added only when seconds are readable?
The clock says h=3 m=44 s=32
